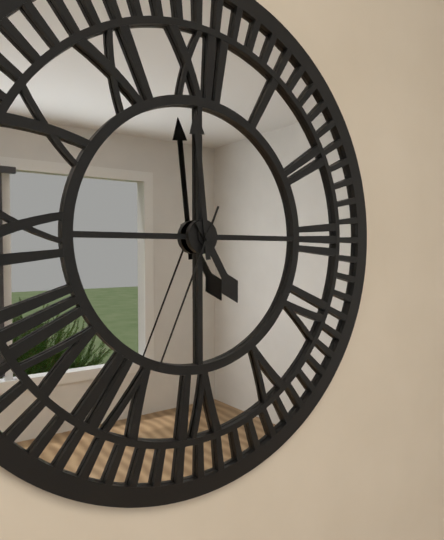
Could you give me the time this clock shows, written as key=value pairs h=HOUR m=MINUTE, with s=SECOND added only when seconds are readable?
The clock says h=4 m=59 s=34
